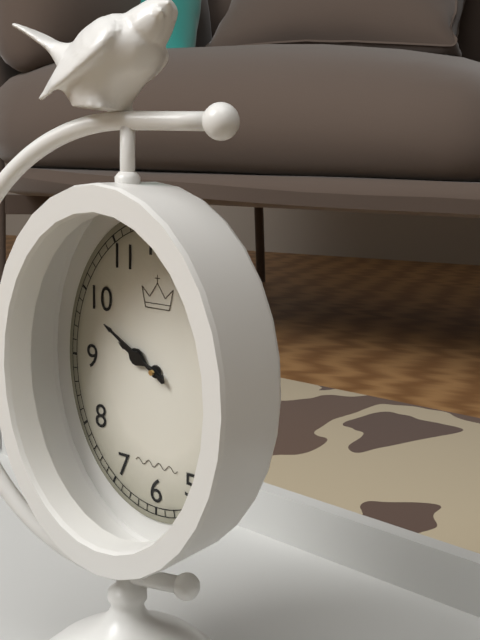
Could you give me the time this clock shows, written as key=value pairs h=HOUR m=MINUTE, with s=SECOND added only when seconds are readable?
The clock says h=9 m=50
